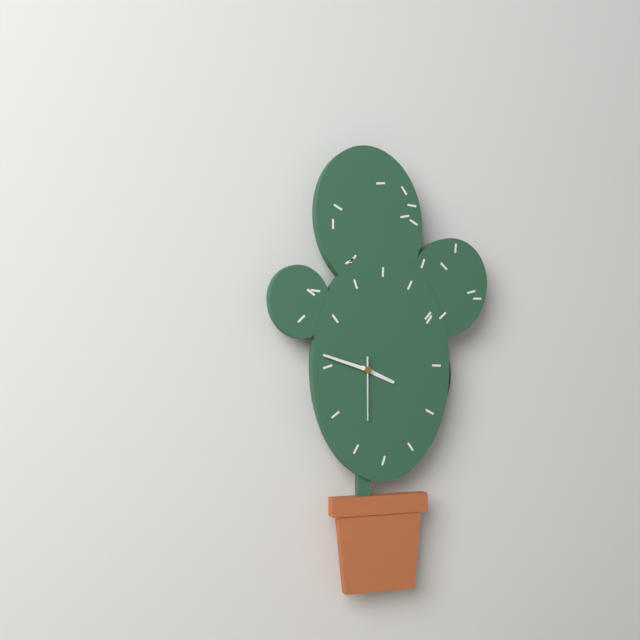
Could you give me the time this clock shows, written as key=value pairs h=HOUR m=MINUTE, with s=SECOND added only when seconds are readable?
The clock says h=3 m=48 s=30
